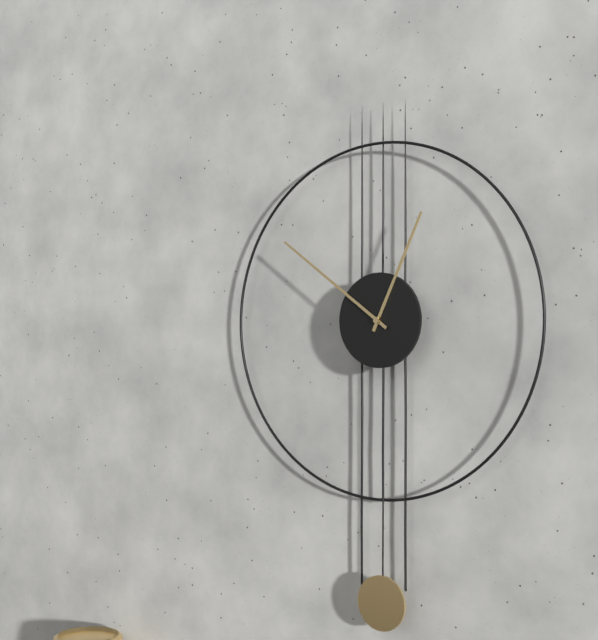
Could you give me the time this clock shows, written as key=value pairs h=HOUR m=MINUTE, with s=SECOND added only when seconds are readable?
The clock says h=12 m=51
